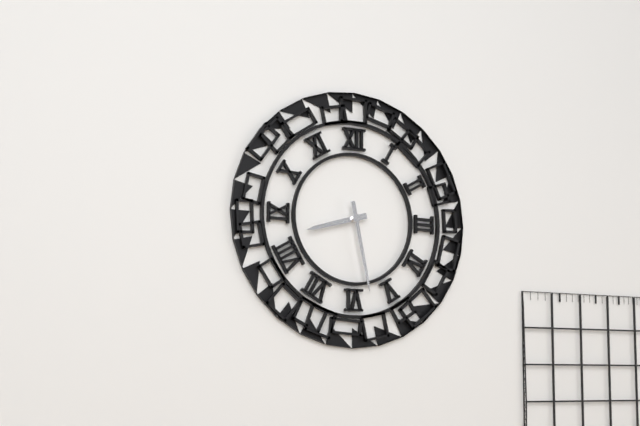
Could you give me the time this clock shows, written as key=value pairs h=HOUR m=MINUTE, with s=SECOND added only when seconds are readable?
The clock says h=8 m=28
